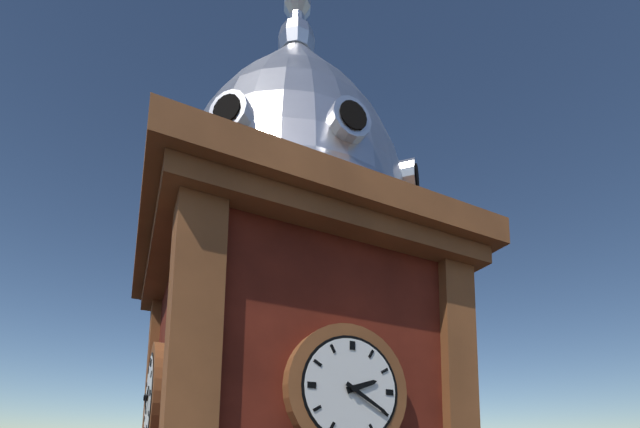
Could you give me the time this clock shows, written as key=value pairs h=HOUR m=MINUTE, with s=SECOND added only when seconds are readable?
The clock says h=2 m=20
